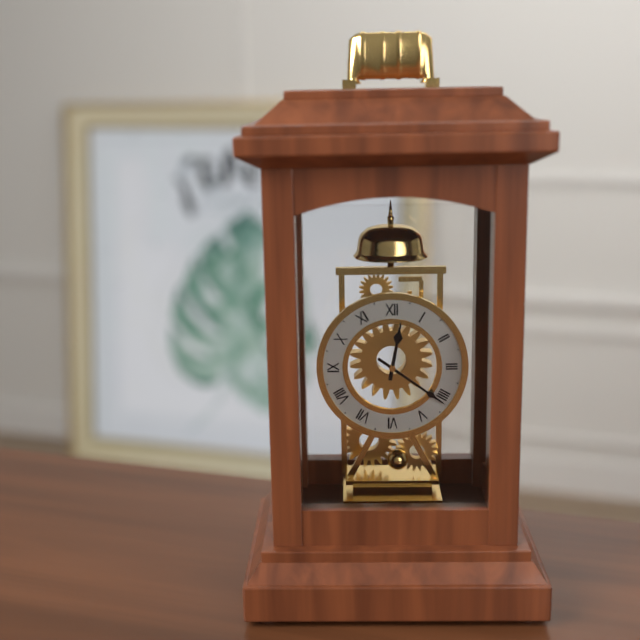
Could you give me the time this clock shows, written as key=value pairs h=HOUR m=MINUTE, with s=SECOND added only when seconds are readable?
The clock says h=12 m=21
